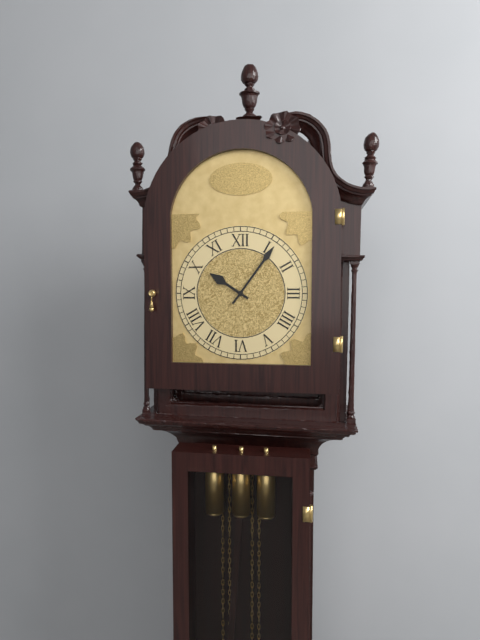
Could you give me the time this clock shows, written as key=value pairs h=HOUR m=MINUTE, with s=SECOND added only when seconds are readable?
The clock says h=10 m=6
